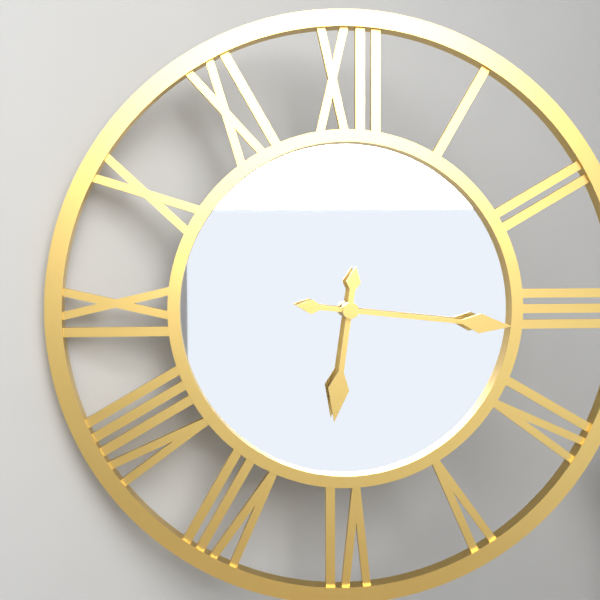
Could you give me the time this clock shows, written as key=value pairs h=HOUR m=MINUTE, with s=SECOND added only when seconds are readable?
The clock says h=6 m=16
